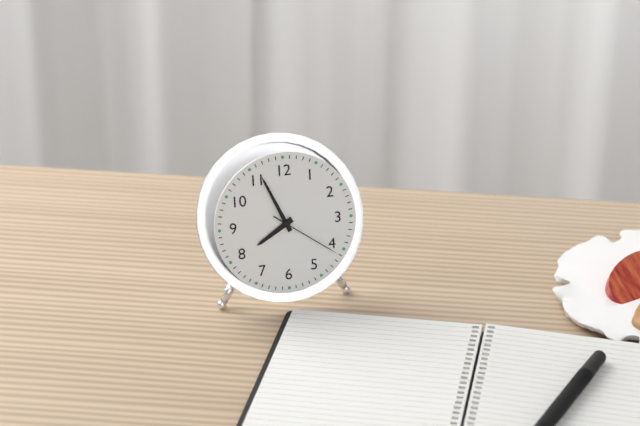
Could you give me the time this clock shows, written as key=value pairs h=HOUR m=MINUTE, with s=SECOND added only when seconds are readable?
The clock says h=7 m=56 s=21
